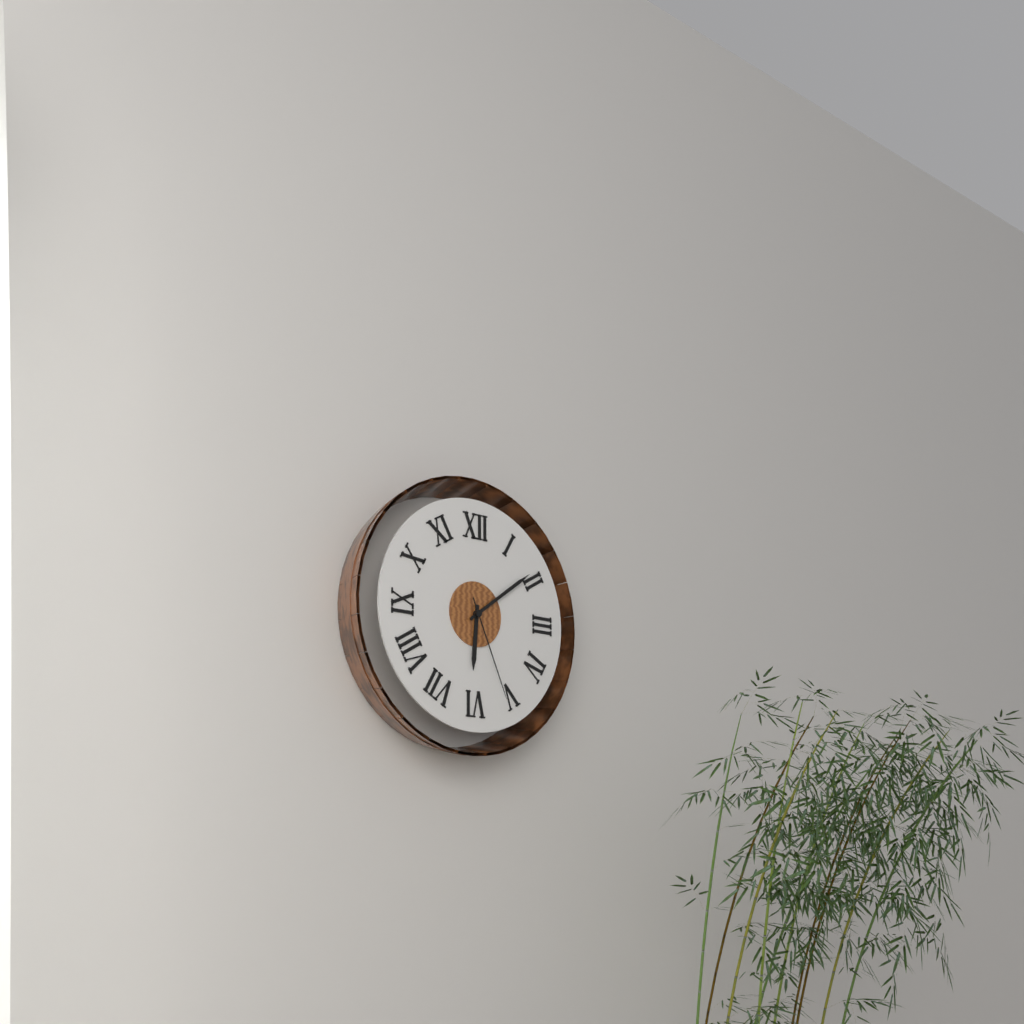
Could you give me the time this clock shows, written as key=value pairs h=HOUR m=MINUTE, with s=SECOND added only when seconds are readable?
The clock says h=6 m=9 s=26
